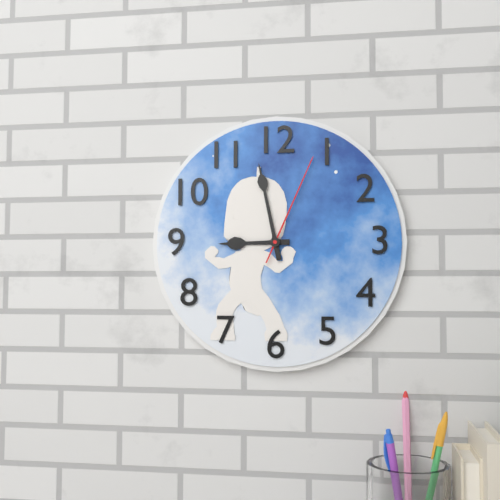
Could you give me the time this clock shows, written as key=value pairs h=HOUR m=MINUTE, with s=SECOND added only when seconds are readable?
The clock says h=8 m=58 s=4
